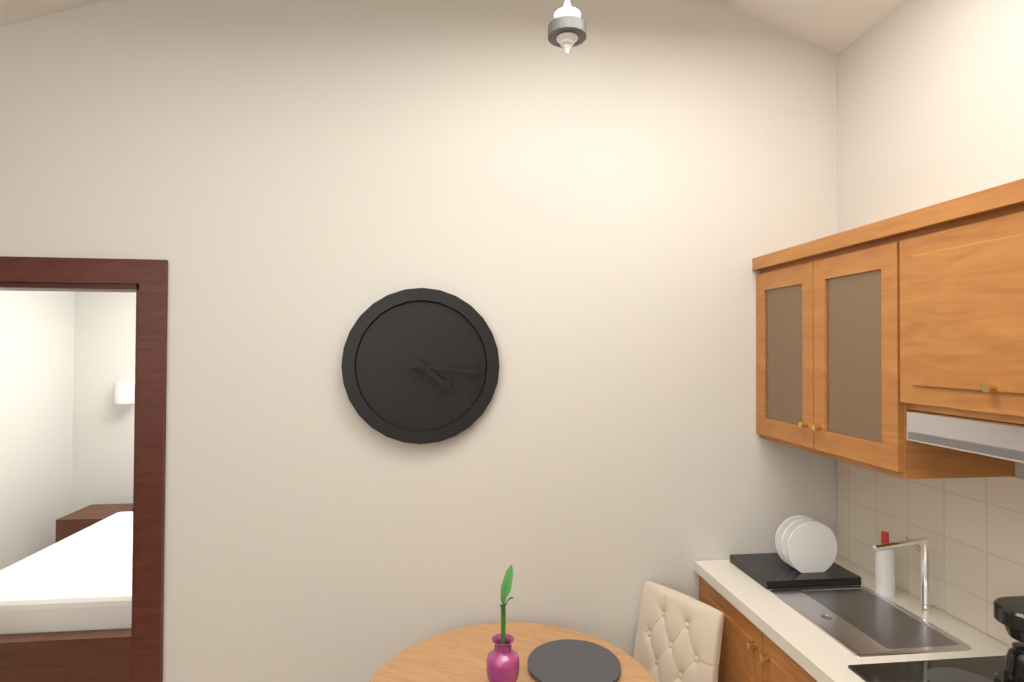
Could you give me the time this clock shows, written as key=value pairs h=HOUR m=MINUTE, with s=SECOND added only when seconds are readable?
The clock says h=4 m=16
